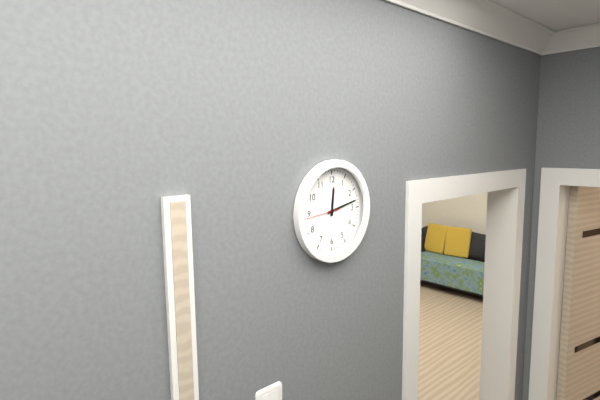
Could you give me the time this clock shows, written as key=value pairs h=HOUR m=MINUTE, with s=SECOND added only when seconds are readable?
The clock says h=12 m=13
